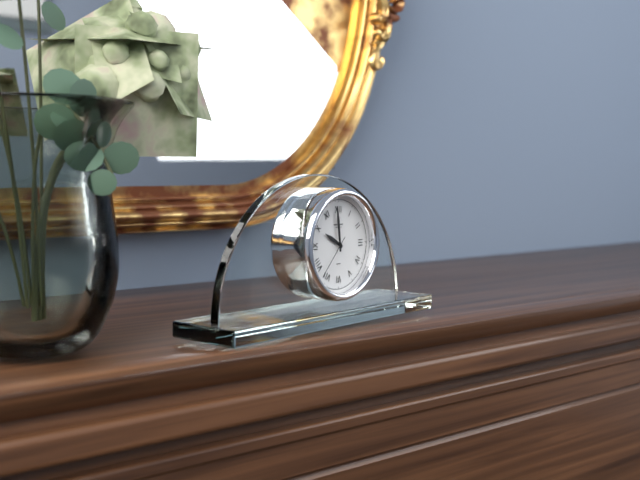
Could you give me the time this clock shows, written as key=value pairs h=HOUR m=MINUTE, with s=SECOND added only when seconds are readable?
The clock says h=9 m=59
